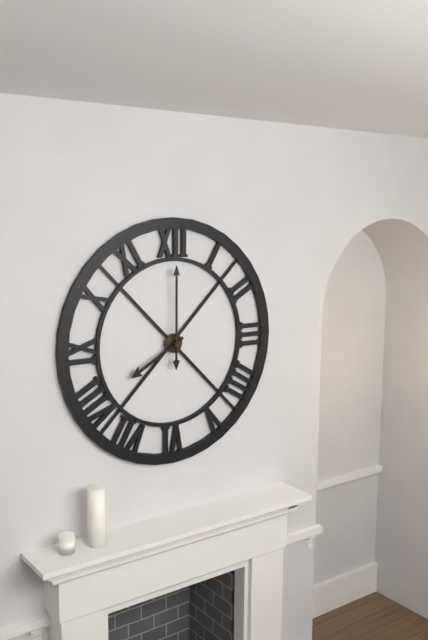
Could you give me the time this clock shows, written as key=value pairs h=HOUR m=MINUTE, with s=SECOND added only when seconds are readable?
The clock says h=8 m=0
